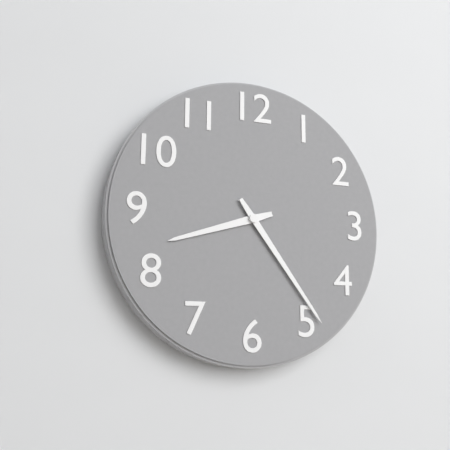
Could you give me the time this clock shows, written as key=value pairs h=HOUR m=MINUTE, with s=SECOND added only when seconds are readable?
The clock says h=8 m=24
